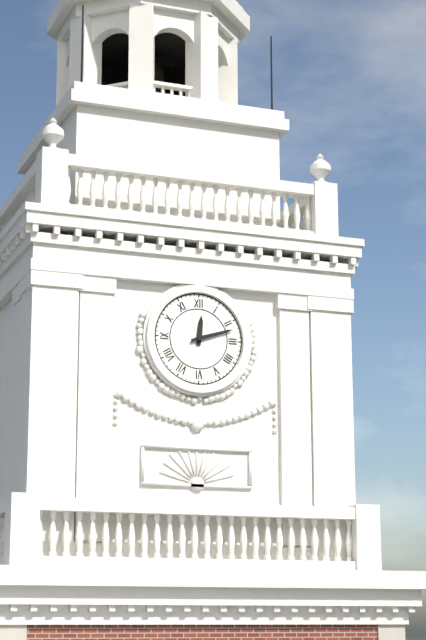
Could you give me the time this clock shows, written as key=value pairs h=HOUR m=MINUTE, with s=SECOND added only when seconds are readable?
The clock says h=12 m=12
